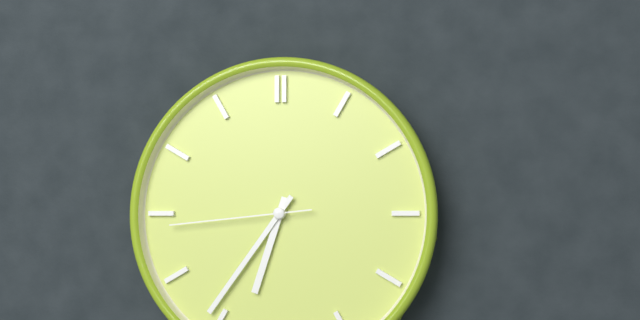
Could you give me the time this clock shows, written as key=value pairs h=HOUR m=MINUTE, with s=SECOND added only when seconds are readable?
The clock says h=6 m=36 s=44
